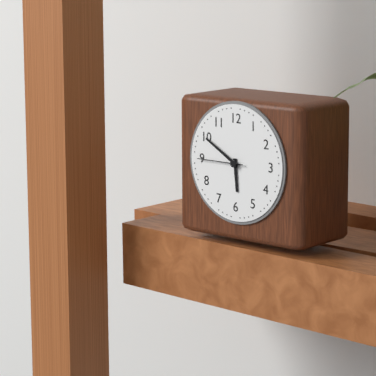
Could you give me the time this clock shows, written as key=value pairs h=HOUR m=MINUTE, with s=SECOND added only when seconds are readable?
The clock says h=5 m=50
